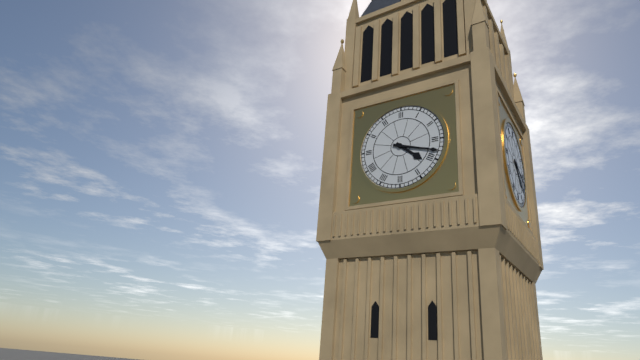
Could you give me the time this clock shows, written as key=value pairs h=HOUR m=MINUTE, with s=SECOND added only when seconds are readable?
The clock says h=4 m=18
